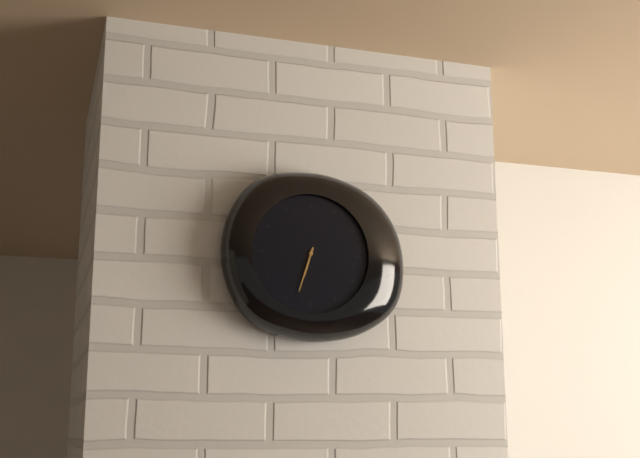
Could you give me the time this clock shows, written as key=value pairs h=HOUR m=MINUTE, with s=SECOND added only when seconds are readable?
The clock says h=6 m=33
